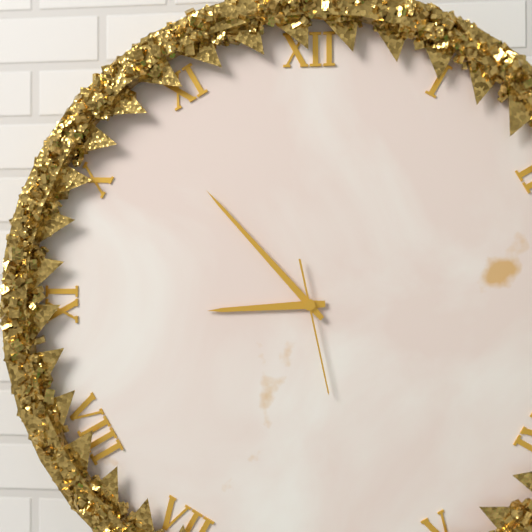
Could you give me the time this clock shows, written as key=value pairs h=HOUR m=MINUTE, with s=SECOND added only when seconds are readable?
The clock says h=8 m=53 s=28
